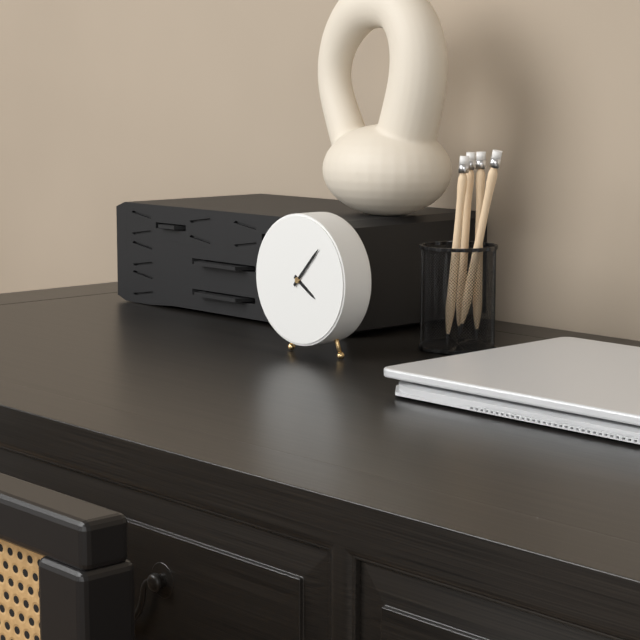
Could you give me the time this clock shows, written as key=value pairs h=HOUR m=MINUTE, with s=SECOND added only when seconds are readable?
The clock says h=4 m=7
